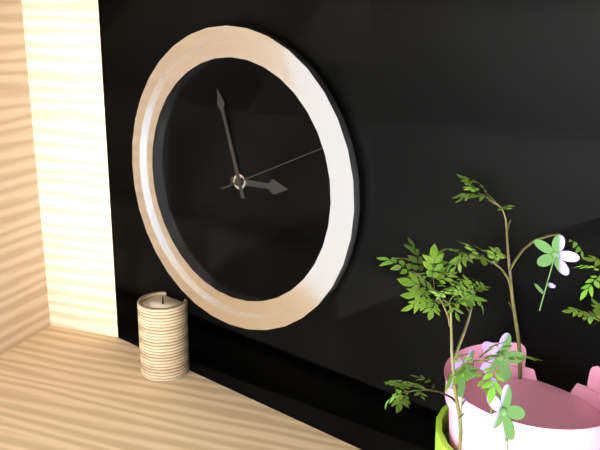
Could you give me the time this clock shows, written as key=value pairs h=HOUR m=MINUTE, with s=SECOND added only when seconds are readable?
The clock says h=2 m=57 s=11
